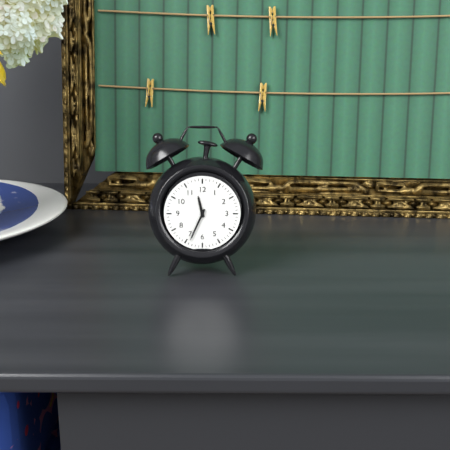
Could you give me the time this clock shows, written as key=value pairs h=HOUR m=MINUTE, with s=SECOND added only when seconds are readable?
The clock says h=11 m=34
